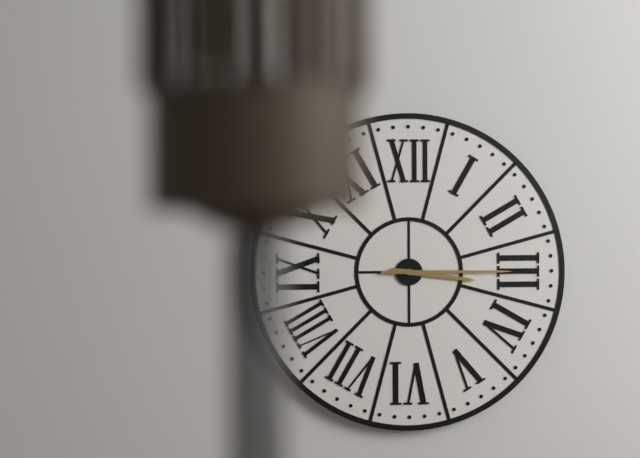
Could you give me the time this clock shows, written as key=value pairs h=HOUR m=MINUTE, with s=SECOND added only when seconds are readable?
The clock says h=3 m=15
